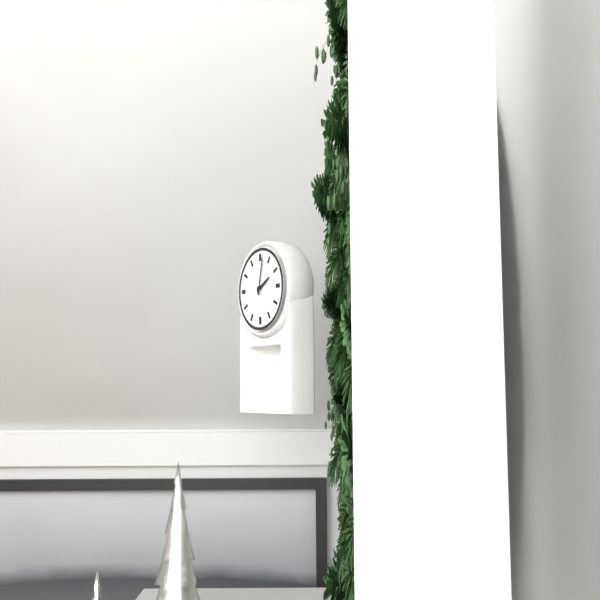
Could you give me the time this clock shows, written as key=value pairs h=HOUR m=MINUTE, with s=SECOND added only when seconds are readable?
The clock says h=2 m=2
